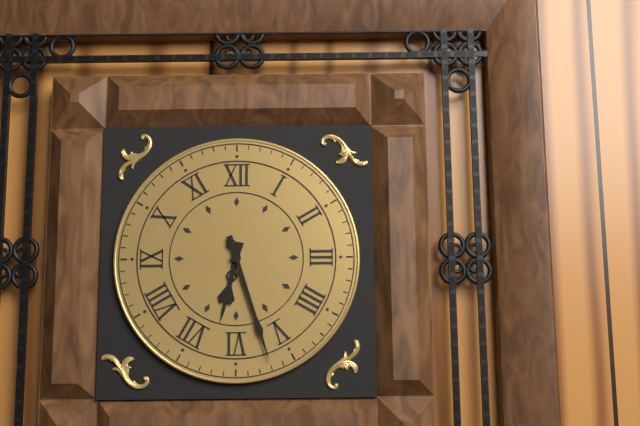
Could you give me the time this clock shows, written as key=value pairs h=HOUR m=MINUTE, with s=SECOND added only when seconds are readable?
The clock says h=6 m=27
